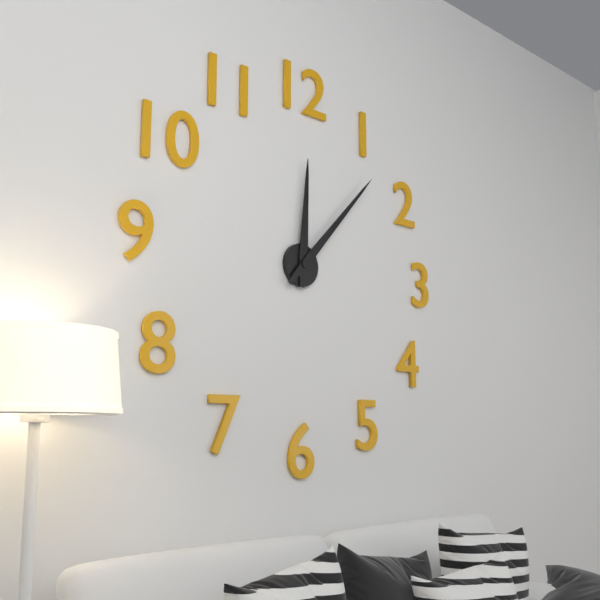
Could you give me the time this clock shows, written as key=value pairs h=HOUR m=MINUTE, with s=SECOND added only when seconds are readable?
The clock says h=12 m=7
